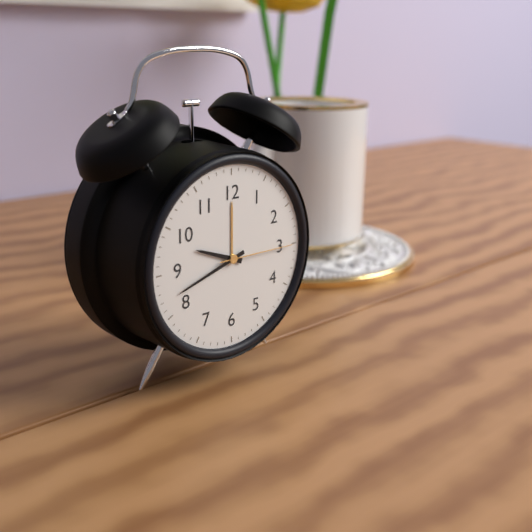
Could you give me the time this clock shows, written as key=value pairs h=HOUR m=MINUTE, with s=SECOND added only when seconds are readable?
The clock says h=9 m=42 s=15
